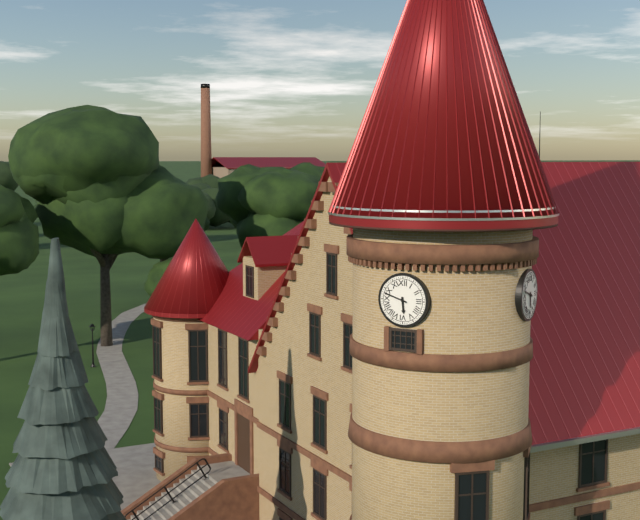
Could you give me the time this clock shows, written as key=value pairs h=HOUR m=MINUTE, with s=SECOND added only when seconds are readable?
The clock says h=5 m=48
